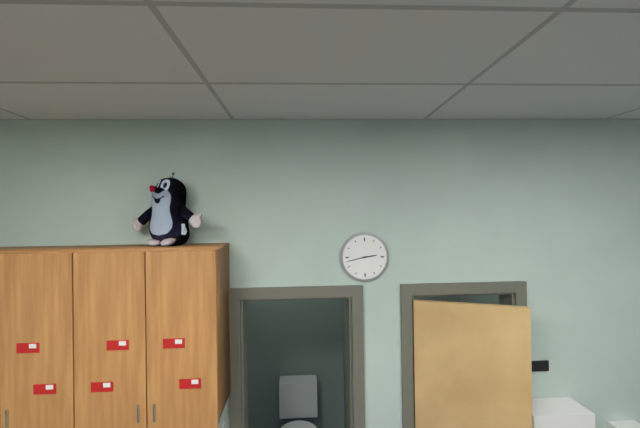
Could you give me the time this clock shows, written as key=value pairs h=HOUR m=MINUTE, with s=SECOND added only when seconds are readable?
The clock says h=2 m=43
